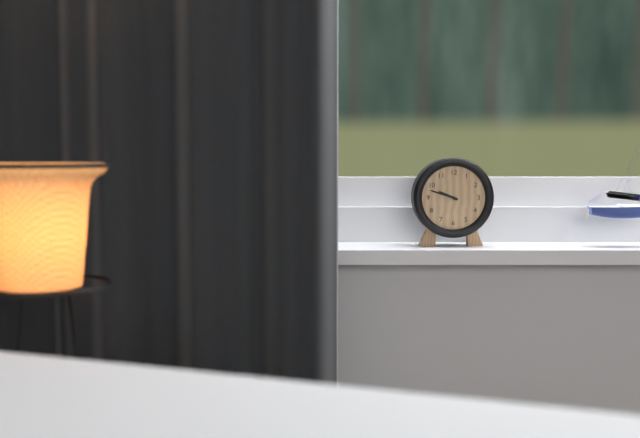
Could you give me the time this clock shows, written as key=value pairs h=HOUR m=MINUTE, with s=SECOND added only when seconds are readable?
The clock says h=9 m=48
